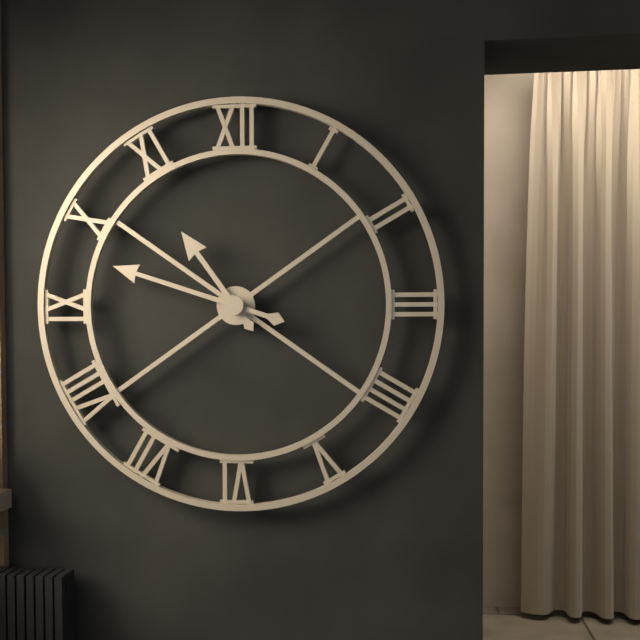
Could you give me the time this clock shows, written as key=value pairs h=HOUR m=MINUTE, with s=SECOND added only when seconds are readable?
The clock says h=10 m=48
